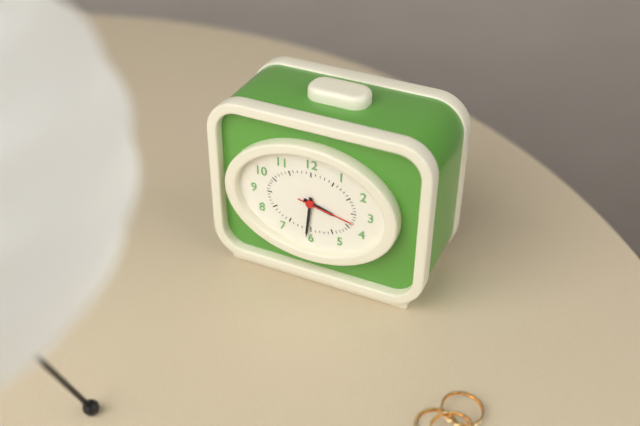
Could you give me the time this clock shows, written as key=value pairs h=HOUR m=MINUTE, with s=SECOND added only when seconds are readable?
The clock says h=3 m=31 s=17
